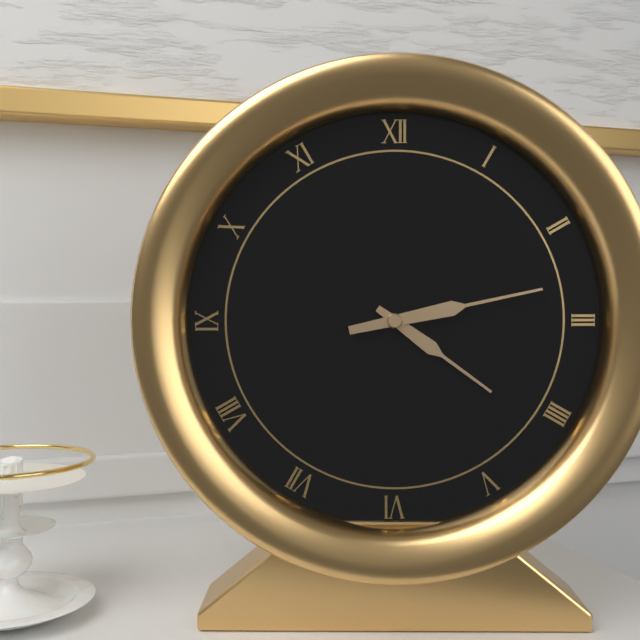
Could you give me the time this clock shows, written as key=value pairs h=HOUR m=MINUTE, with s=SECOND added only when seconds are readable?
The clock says h=4 m=13
